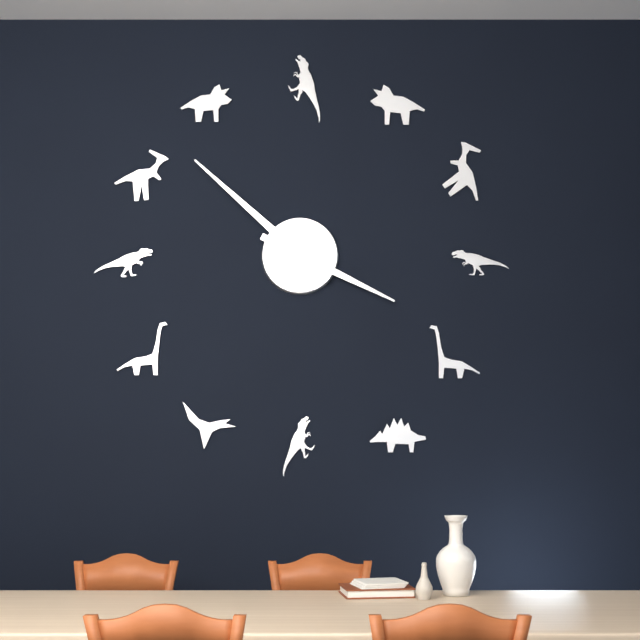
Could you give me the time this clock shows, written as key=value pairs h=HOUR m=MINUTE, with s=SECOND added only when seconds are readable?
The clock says h=3 m=52
